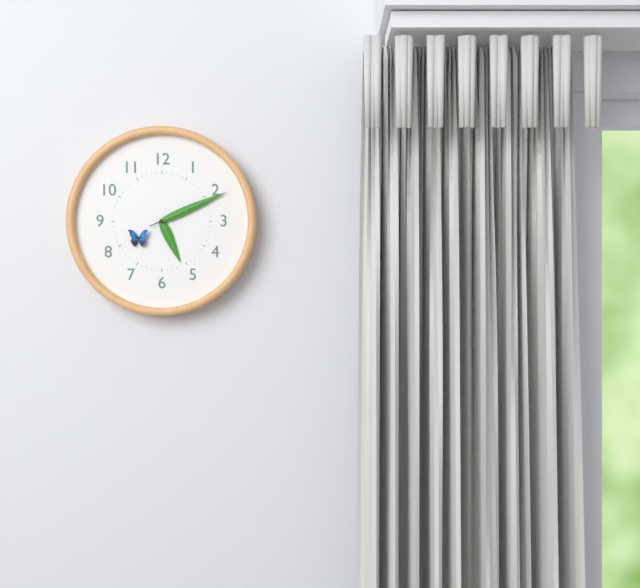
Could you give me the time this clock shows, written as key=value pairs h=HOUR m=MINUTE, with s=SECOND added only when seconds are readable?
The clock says h=5 m=11
